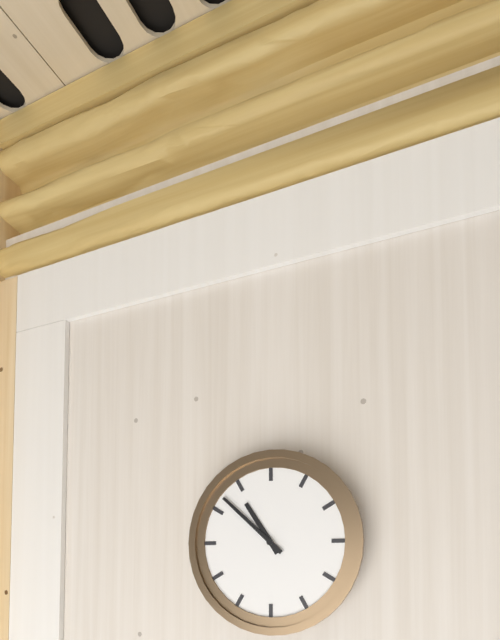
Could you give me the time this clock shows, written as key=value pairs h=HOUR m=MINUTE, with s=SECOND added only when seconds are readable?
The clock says h=10 m=52
